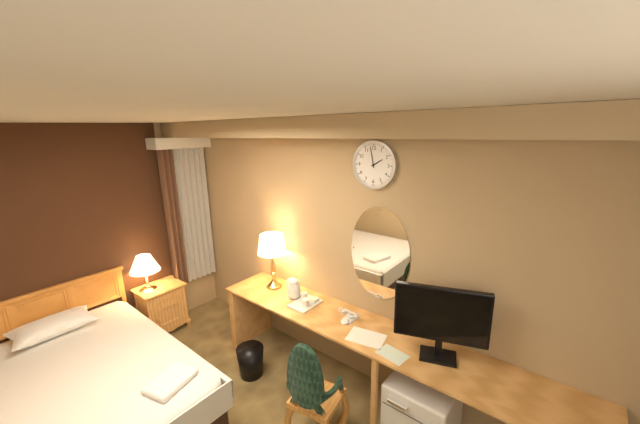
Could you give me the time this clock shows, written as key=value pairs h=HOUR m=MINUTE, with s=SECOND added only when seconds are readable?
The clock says h=1 m=58
